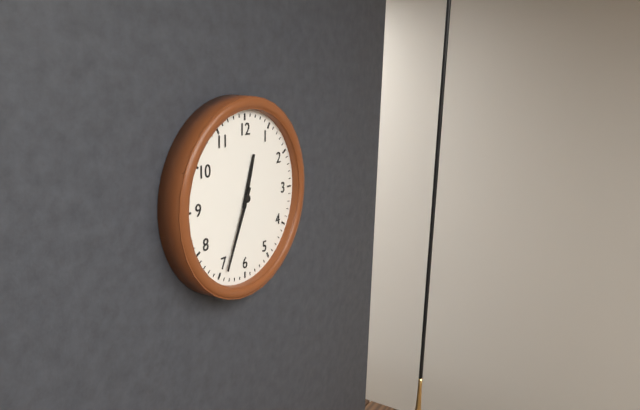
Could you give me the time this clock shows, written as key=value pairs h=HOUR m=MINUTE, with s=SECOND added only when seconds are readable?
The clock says h=12 m=34
